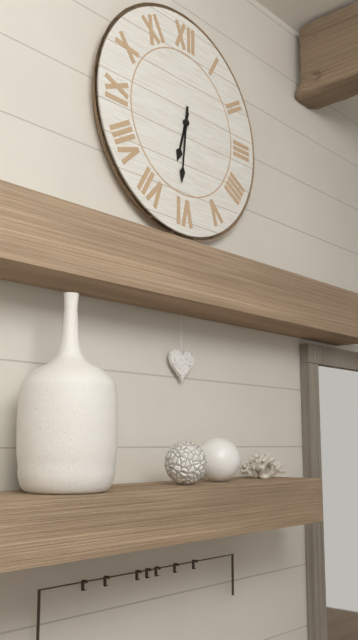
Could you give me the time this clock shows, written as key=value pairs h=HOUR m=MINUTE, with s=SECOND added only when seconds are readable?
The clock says h=6 m=31
